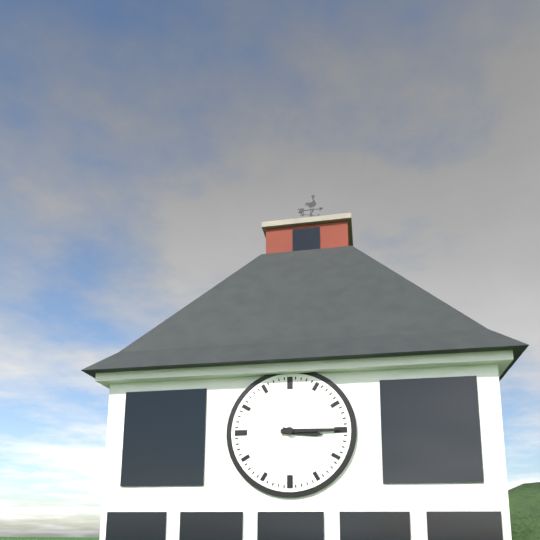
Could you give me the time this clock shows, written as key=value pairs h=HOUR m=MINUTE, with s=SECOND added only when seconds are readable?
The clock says h=3 m=15
